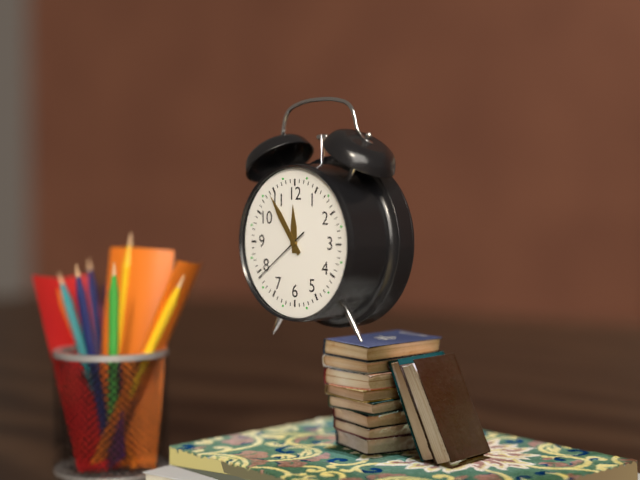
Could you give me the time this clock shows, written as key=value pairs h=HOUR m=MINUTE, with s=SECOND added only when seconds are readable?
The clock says h=11 m=54 s=39
